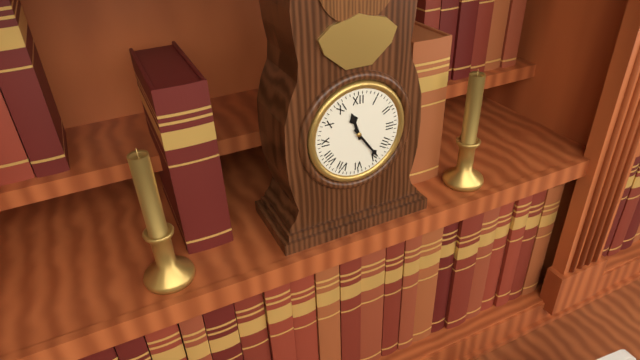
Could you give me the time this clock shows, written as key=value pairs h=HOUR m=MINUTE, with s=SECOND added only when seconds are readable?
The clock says h=11 m=24
